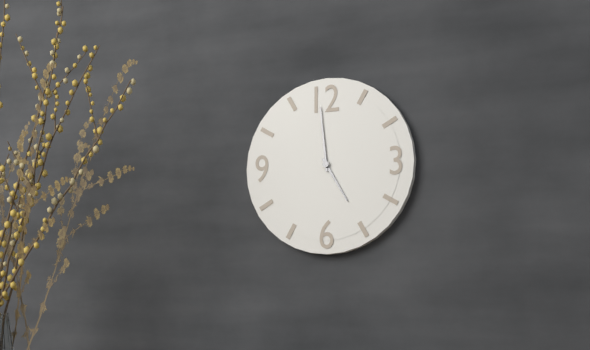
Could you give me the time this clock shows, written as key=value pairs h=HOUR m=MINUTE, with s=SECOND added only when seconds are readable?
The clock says h=4 m=59
